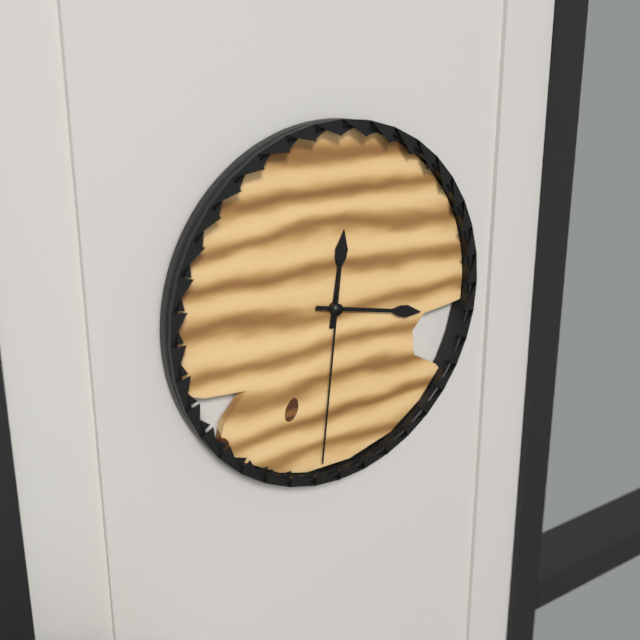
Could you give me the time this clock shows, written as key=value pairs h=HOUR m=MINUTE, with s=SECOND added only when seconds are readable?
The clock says h=12 m=17 s=31
